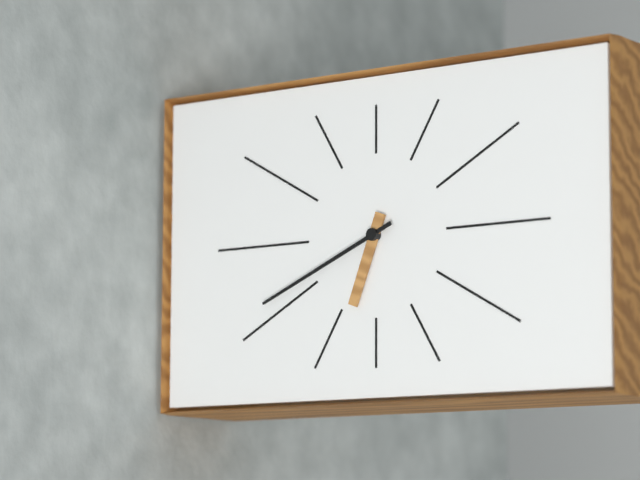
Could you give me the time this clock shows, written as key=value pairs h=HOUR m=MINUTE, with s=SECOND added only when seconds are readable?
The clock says h=6 m=41
